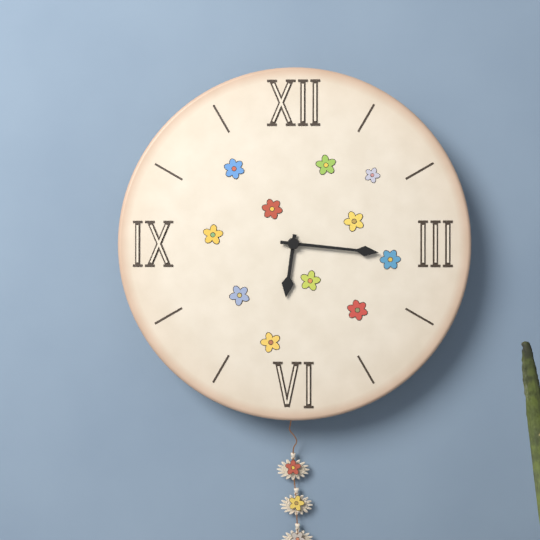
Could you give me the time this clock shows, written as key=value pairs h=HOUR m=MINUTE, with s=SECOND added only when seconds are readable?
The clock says h=6 m=16
